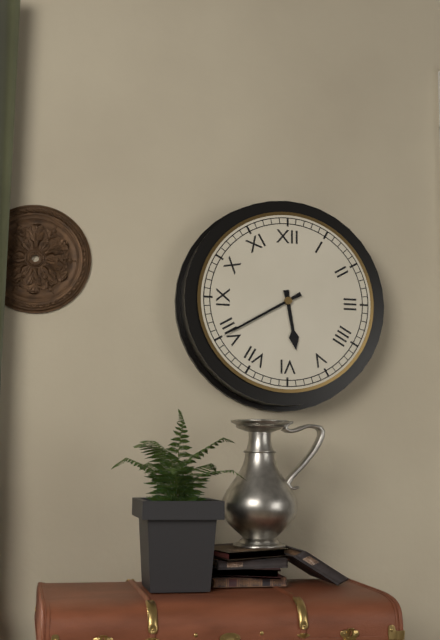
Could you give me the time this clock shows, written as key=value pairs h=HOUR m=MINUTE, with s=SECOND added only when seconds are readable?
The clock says h=5 m=40
